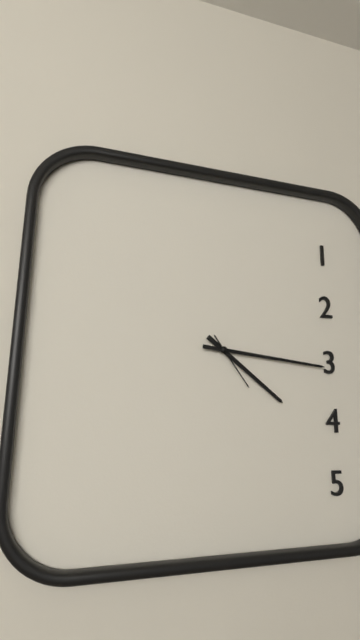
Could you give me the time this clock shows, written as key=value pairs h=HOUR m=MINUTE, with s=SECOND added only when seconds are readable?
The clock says h=4 m=16 s=24
